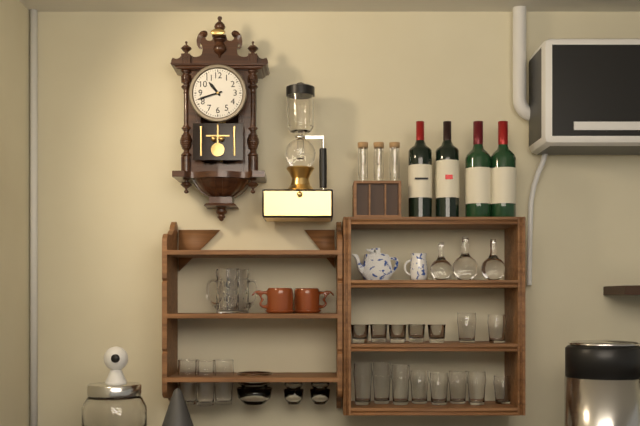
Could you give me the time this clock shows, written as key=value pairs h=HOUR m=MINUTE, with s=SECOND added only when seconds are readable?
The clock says h=10 m=42
